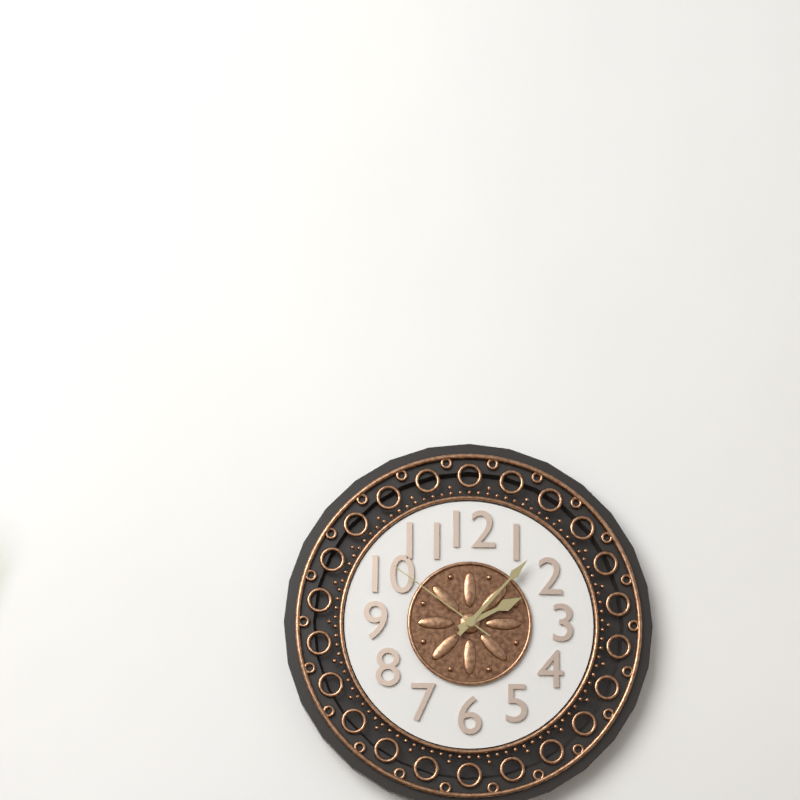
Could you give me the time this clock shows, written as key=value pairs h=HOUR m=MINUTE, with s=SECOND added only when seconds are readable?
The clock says h=2 m=7 s=51
